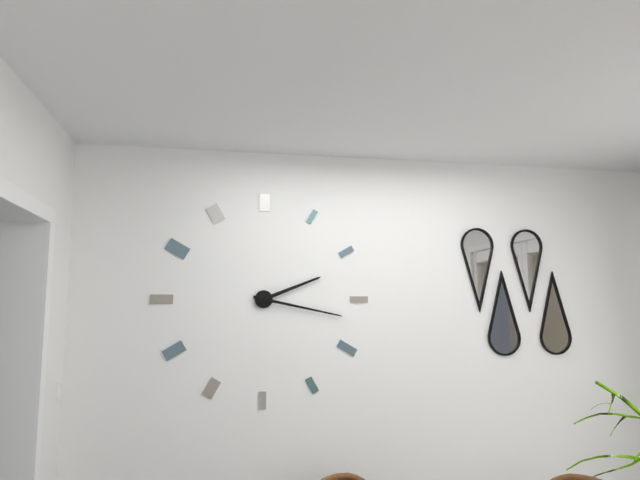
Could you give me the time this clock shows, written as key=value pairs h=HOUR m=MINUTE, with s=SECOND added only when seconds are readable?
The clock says h=2 m=17
